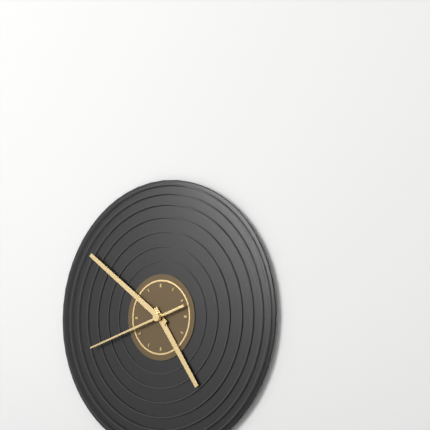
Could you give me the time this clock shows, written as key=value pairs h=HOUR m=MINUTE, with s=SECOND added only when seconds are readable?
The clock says h=4 m=51 s=42
